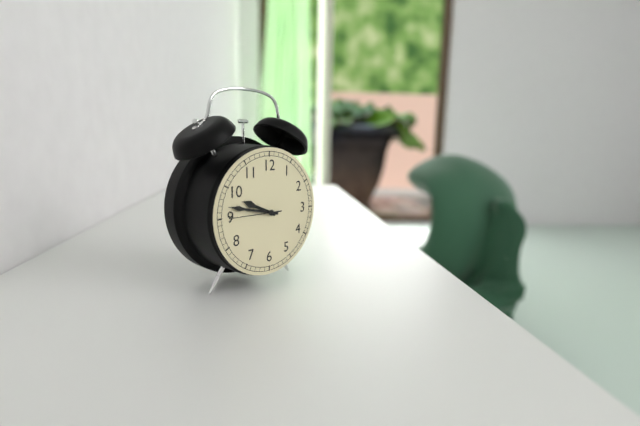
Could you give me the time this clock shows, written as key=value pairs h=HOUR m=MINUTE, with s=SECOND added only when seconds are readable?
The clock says h=9 m=47 s=45
